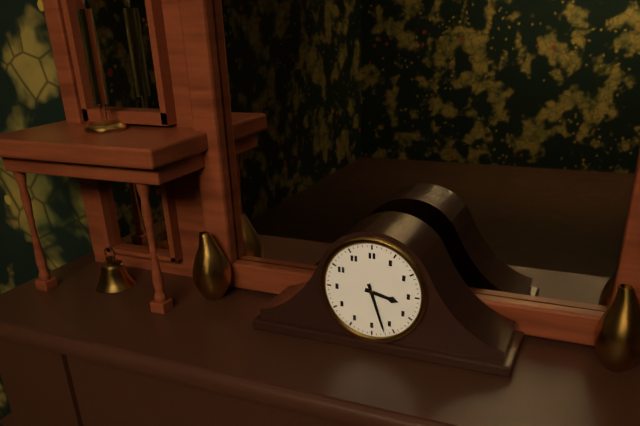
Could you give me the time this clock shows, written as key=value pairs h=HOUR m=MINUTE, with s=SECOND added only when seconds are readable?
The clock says h=3 m=27
